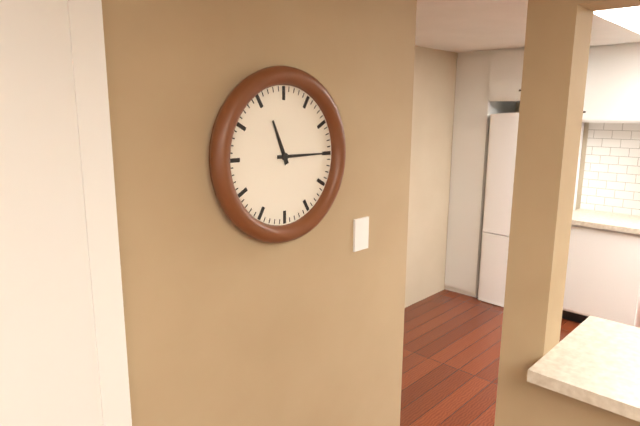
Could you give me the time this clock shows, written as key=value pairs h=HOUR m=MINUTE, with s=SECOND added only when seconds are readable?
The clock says h=11 m=15
